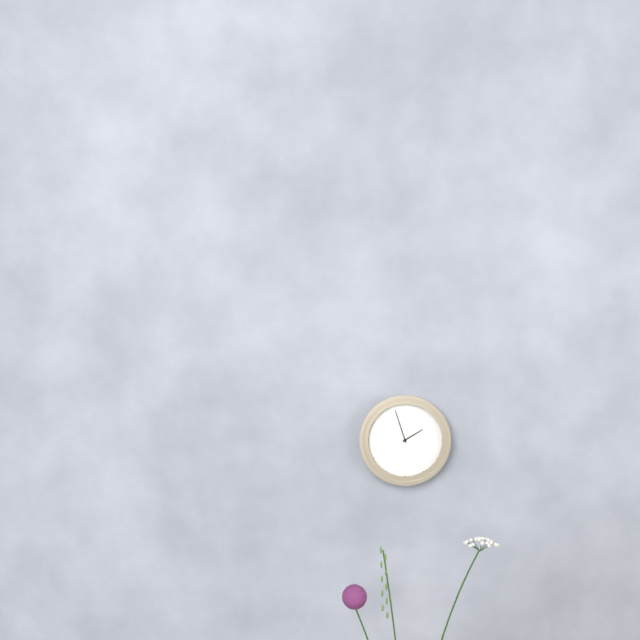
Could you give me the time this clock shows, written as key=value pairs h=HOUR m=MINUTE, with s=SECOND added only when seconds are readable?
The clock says h=1 m=57
